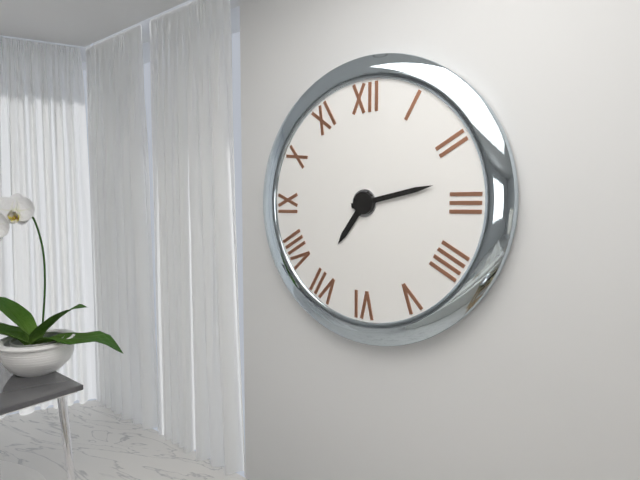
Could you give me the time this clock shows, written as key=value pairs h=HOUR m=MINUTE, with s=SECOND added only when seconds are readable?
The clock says h=7 m=13
